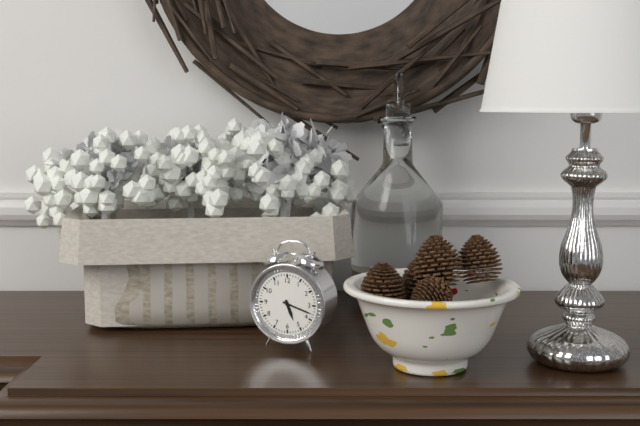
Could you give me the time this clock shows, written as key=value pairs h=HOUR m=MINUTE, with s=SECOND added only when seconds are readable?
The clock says h=5 m=18
